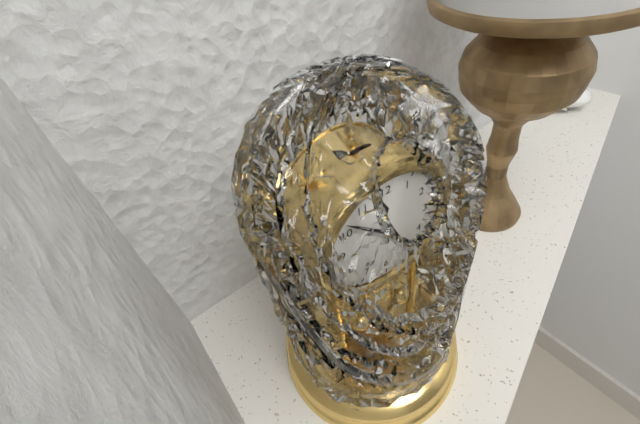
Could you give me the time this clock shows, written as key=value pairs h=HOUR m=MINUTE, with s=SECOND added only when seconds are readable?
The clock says h=11 m=52
